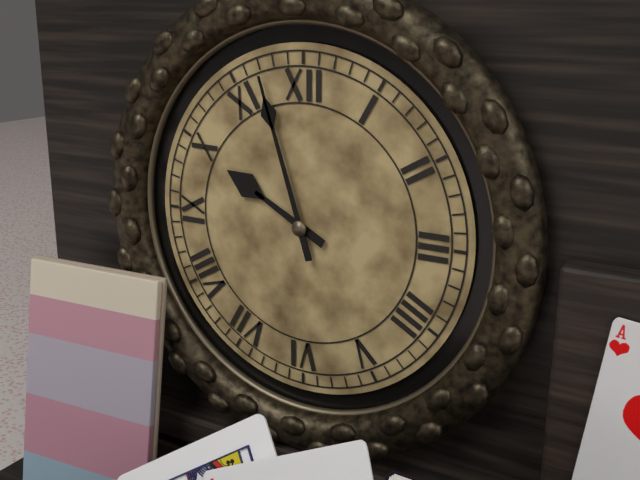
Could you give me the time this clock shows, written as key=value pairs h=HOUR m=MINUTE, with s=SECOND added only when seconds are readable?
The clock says h=9 m=57
